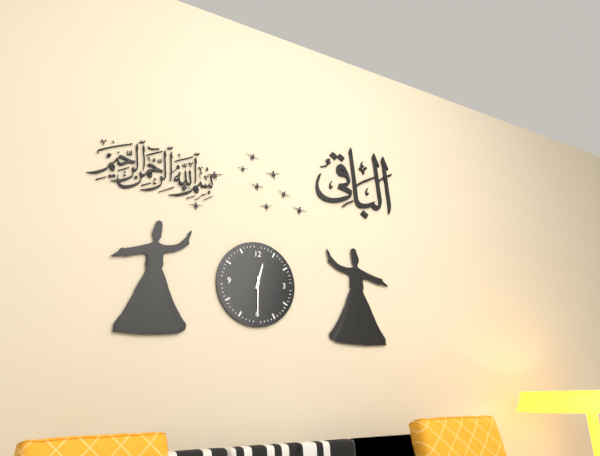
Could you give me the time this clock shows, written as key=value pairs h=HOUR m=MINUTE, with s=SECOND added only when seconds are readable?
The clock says h=12 m=30
